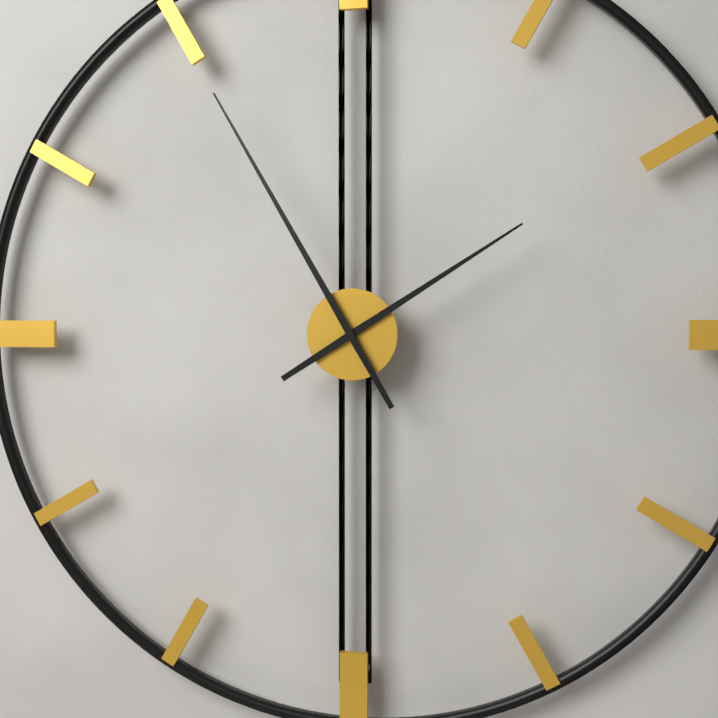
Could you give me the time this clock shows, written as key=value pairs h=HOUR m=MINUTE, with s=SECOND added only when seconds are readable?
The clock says h=1 m=55
